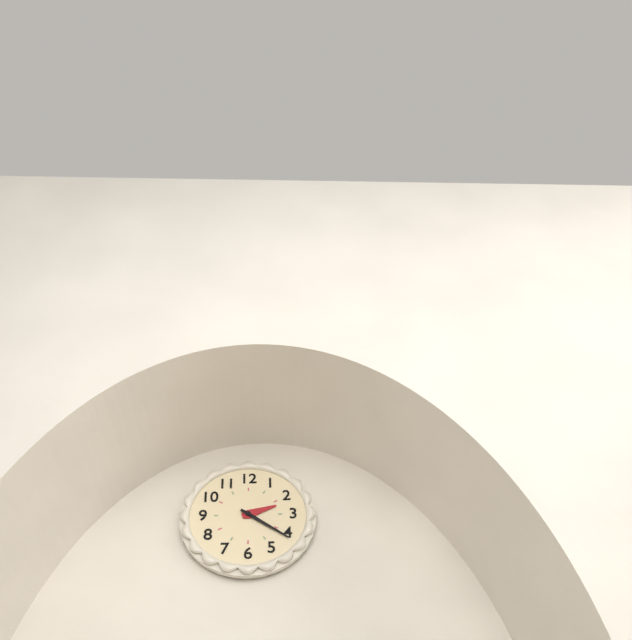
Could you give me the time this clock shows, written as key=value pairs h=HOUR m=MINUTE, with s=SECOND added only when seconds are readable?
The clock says h=2 m=21
